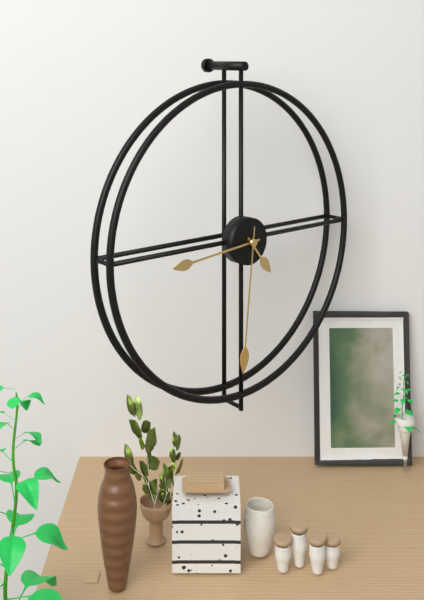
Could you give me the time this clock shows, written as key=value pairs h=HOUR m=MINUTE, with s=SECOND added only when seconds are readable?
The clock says h=4 m=44 s=31
